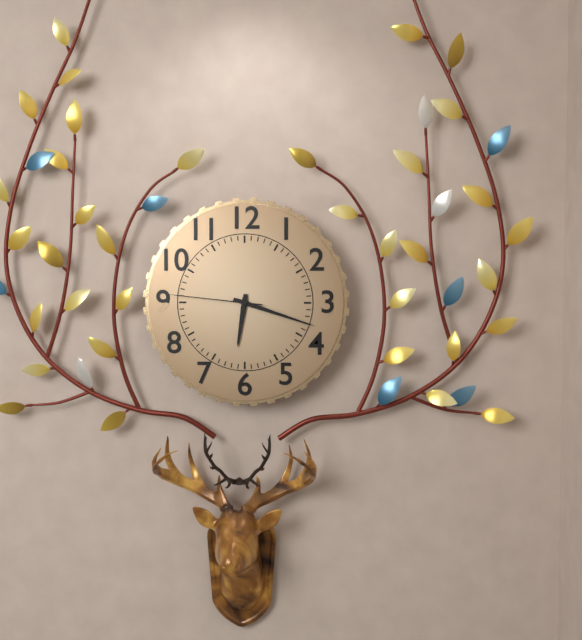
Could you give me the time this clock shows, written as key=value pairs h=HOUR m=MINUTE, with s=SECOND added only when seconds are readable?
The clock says h=6 m=18 s=46
